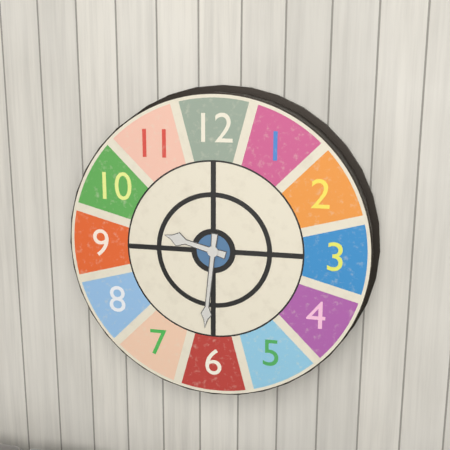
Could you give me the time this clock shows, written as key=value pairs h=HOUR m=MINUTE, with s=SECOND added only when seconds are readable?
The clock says h=9 m=31
